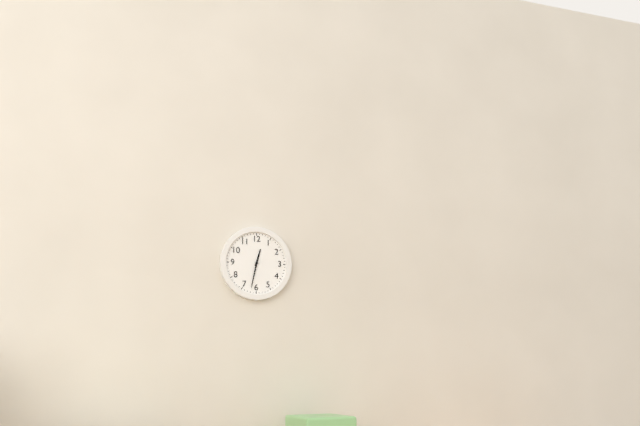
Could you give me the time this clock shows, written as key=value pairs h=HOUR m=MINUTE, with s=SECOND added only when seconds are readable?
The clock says h=12 m=32
